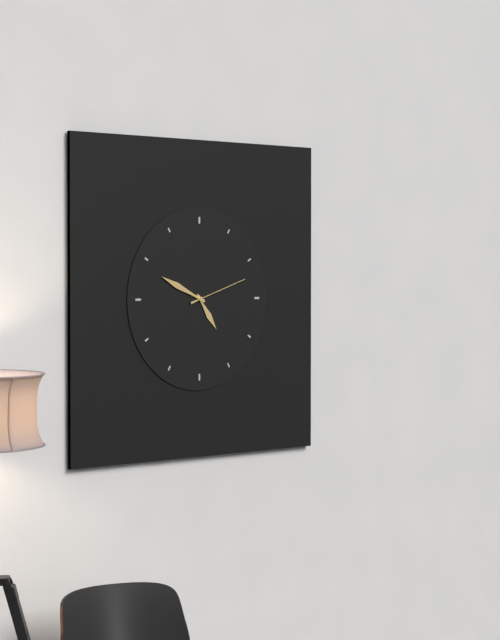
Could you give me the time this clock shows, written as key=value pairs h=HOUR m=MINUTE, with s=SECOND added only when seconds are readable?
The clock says h=4 m=49 s=12
